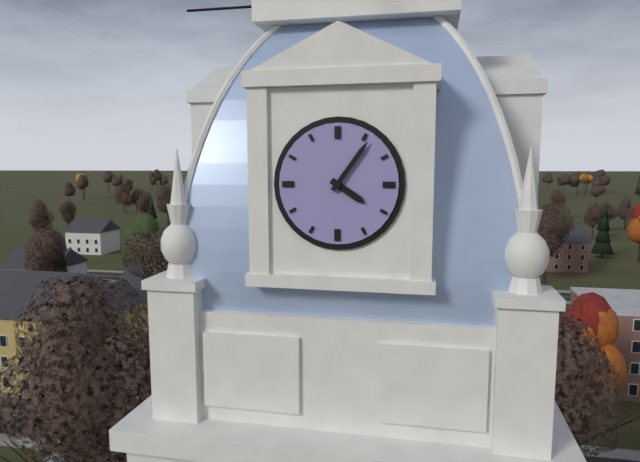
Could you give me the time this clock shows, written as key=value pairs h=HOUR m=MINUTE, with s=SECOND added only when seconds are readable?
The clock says h=4 m=6
